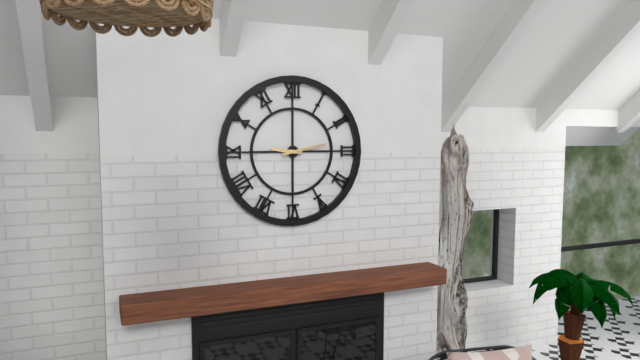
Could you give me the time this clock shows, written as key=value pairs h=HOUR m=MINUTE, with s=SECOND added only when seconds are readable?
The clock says h=9 m=13
